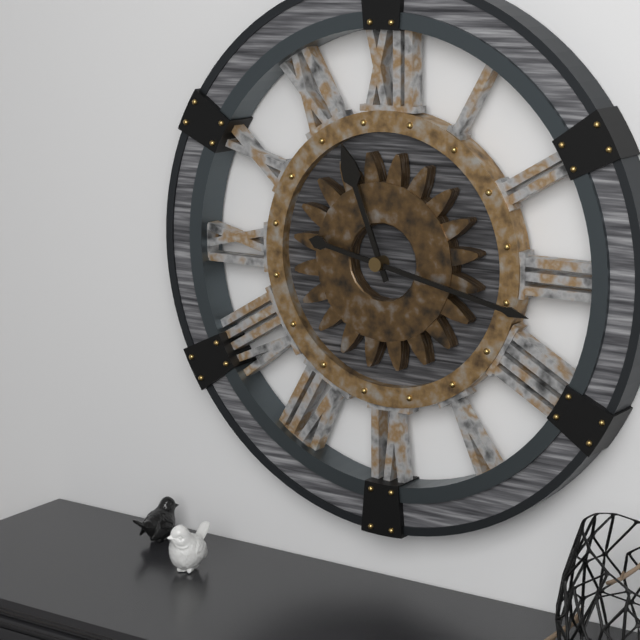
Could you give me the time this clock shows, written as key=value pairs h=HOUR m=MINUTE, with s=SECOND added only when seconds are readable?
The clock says h=11 m=17
